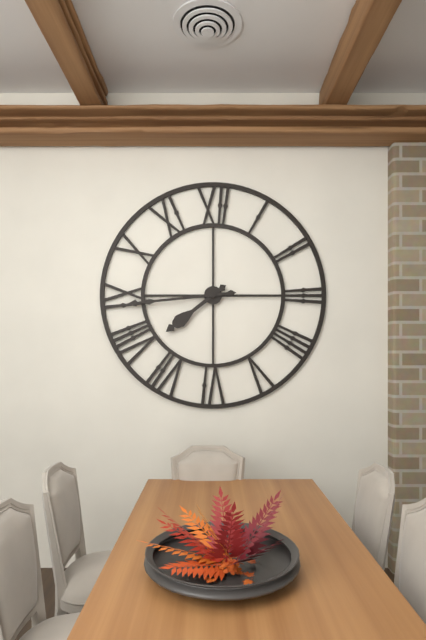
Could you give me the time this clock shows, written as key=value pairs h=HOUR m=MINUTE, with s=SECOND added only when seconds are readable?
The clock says h=7 m=44
